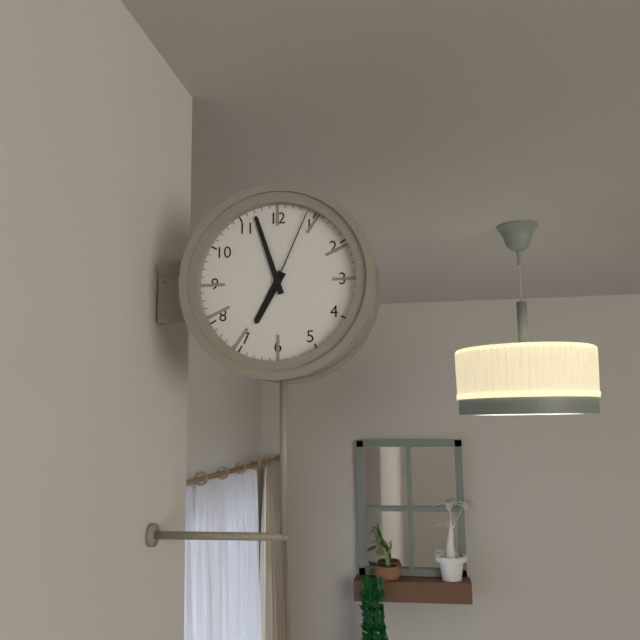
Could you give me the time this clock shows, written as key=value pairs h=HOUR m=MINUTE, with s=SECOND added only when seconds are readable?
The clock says h=6 m=57 s=4
